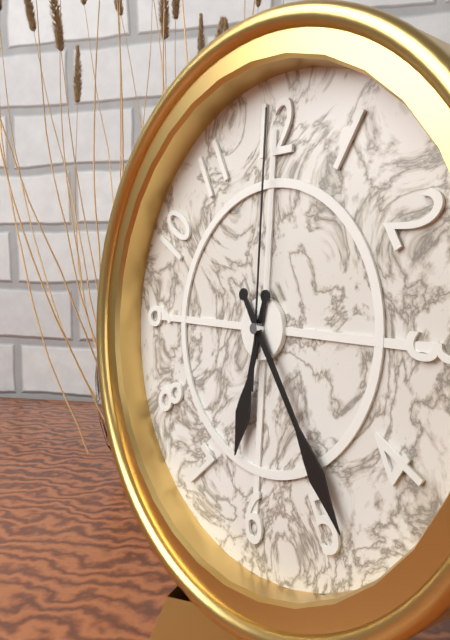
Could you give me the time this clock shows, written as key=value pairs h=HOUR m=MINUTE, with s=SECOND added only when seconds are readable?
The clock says h=6 m=24 s=0
